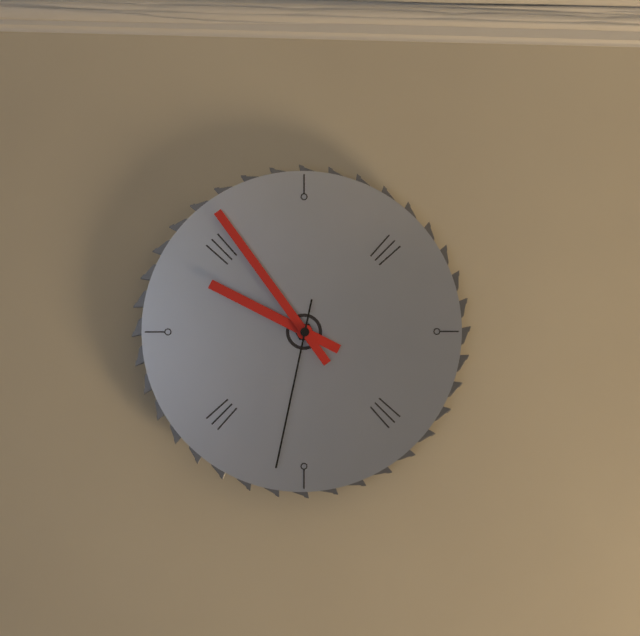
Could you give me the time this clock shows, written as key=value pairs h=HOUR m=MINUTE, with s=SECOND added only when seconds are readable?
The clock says h=9 m=54 s=32
